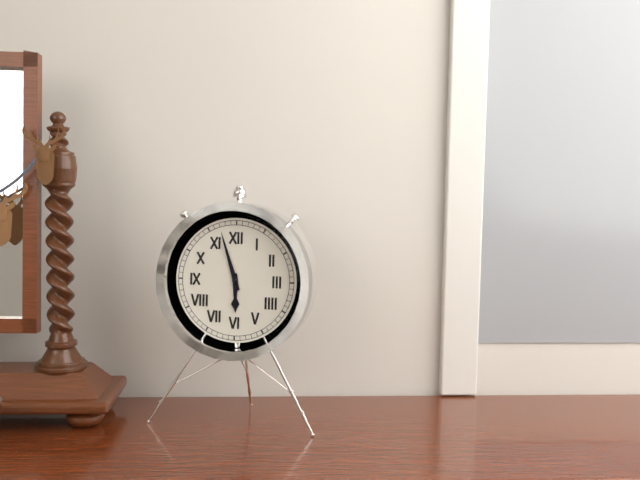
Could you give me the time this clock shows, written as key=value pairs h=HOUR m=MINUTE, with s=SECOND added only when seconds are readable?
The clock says h=5 m=57
